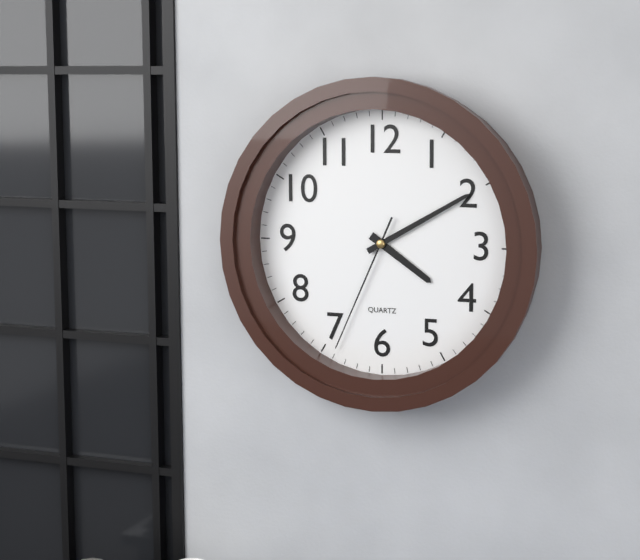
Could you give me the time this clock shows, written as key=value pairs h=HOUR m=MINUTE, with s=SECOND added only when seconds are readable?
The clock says h=4 m=10 s=34
